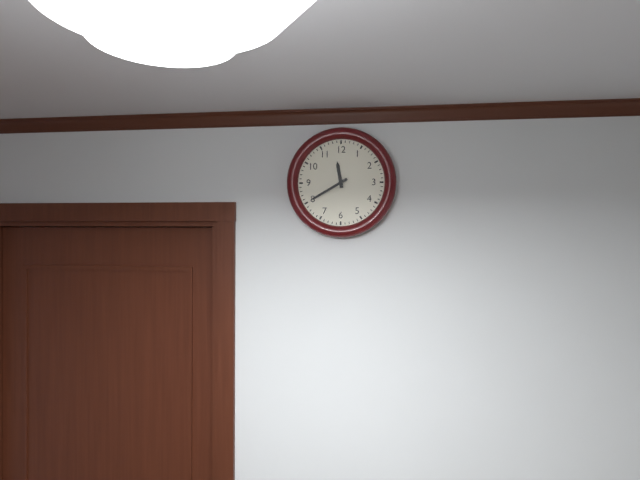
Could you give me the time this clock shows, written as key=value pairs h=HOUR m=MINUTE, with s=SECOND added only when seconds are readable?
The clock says h=11 m=40
